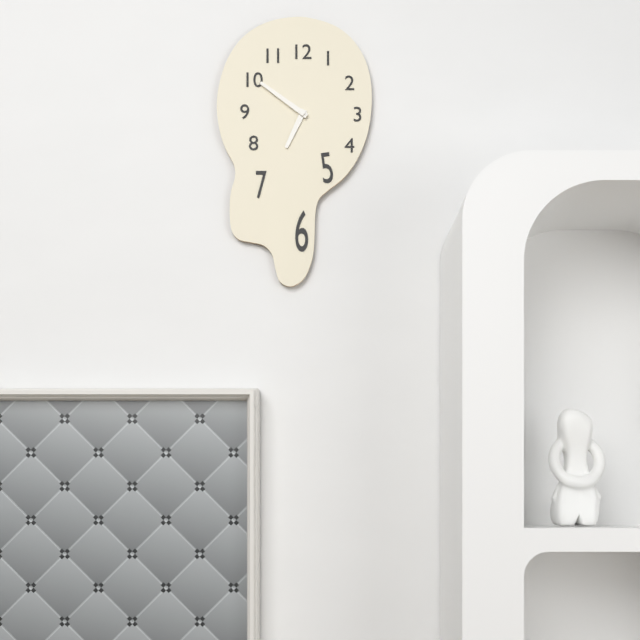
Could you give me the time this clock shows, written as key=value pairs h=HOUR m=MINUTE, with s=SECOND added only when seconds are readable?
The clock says h=6 m=51
